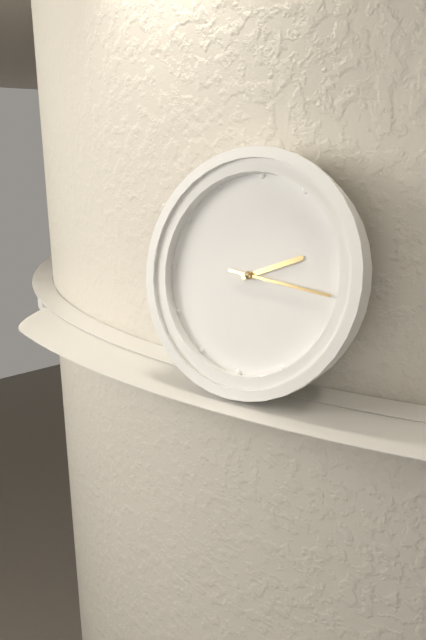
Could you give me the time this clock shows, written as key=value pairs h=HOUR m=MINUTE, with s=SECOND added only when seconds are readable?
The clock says h=2 m=16
